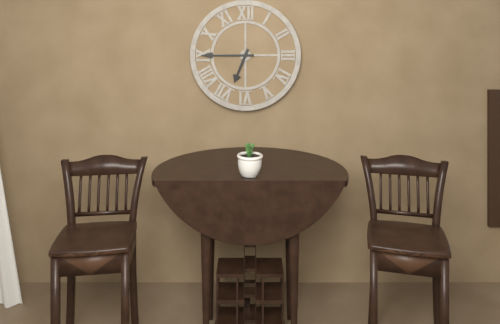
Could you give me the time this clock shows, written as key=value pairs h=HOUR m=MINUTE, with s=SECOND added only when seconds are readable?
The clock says h=6 m=45
